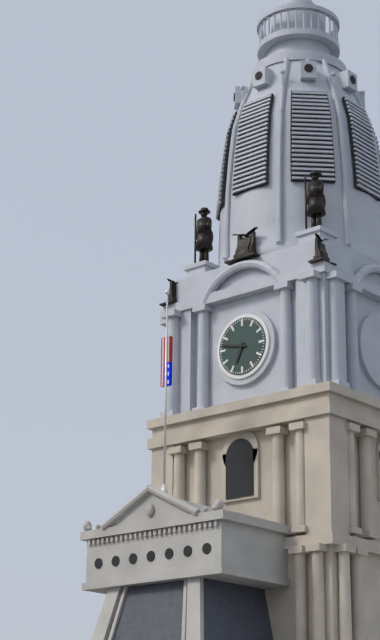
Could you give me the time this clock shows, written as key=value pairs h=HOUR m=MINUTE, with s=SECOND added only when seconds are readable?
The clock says h=6 m=47
